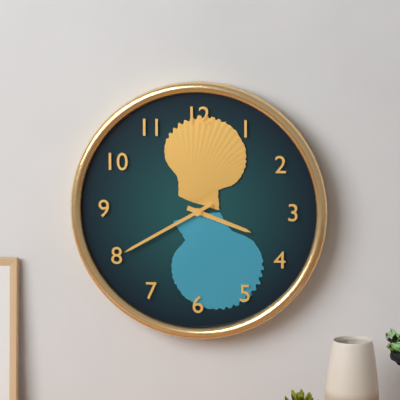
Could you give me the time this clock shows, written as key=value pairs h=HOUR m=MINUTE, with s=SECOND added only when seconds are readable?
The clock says h=3 m=40
